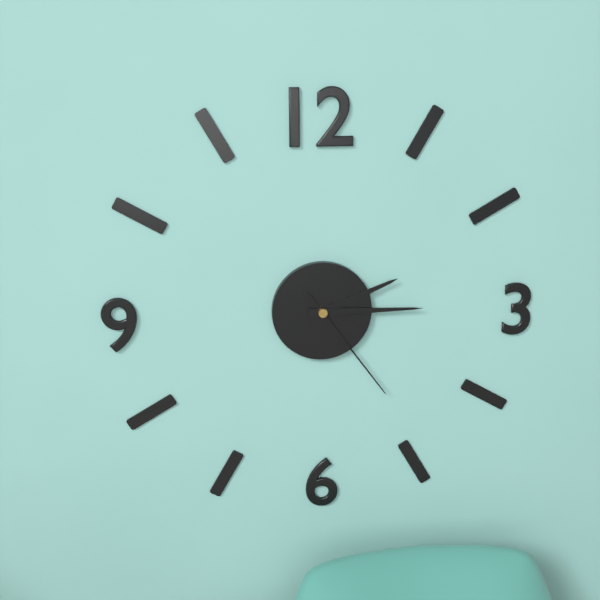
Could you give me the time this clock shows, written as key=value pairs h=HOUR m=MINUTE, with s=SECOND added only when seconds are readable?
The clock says h=2 m=15 s=24
